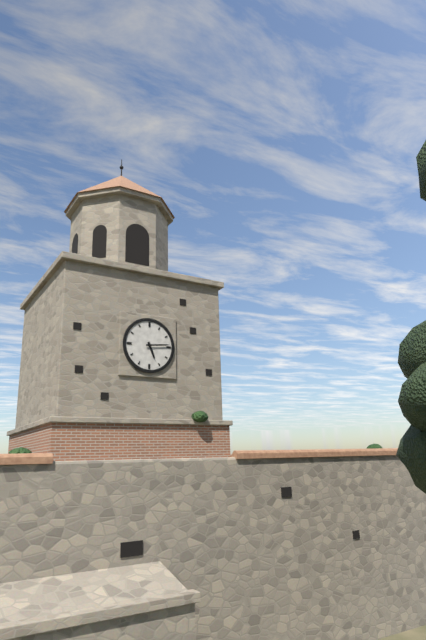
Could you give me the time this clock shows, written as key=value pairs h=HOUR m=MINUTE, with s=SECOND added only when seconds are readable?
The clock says h=5 m=14
